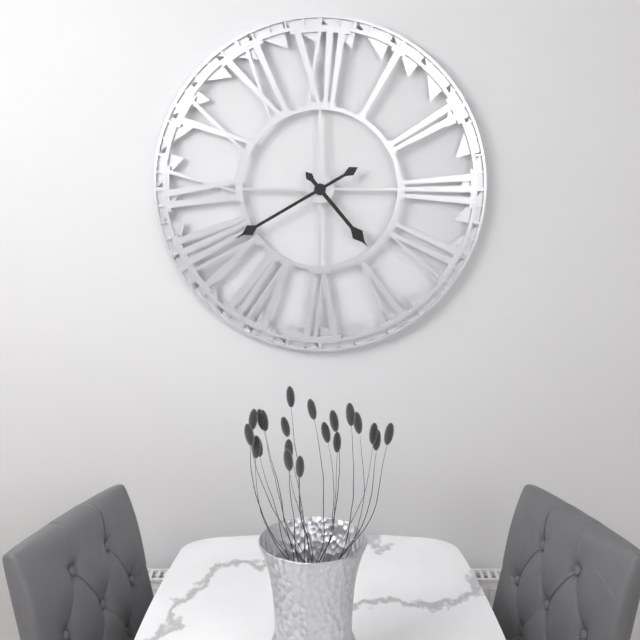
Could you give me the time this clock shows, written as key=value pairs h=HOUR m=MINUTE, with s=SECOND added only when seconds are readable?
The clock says h=4 m=40
